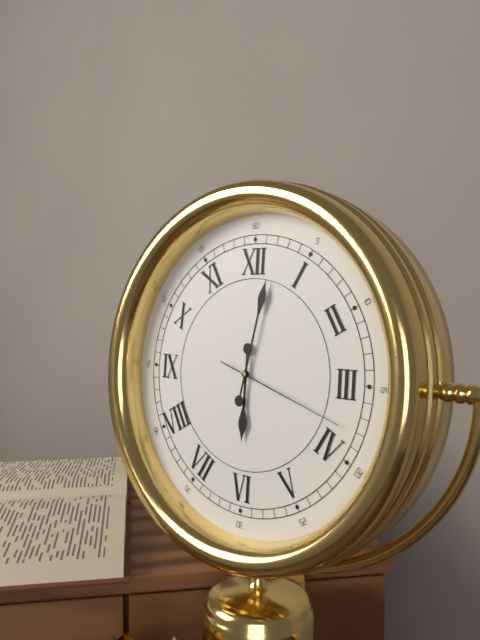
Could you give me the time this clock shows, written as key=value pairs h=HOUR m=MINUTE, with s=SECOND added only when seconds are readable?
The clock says h=6 m=2 s=18
